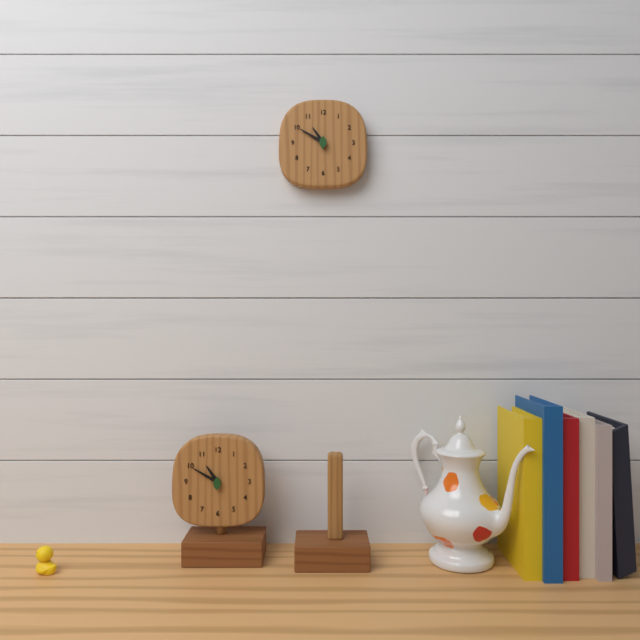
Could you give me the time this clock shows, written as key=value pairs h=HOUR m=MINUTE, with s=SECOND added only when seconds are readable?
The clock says h=10 m=50
